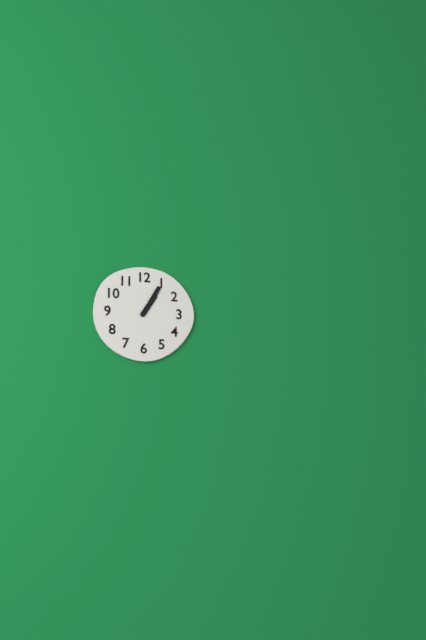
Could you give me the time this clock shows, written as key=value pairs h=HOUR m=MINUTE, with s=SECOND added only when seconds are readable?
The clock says h=1 m=5
